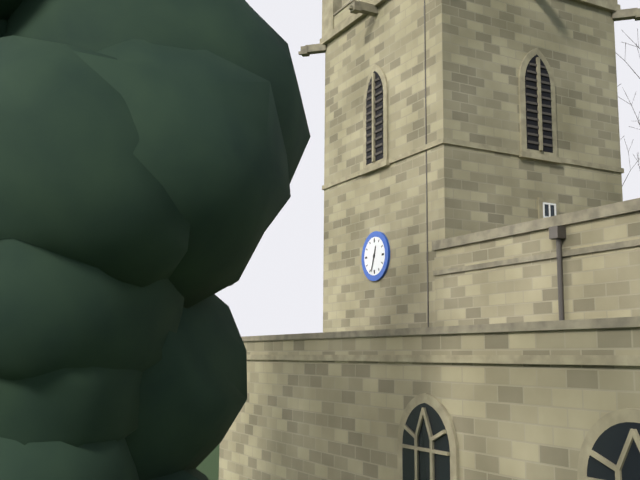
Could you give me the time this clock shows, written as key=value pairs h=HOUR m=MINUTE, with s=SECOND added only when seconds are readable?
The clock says h=12 m=33
